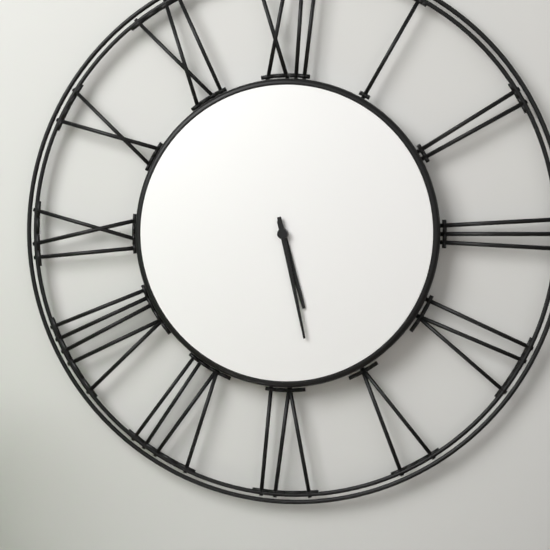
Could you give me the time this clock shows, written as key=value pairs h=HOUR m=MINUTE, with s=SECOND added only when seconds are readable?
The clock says h=5 m=28
